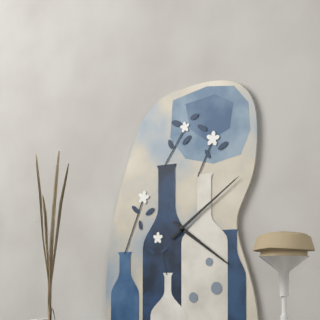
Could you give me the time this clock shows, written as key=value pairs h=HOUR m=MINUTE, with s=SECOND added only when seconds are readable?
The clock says h=4 m=9
